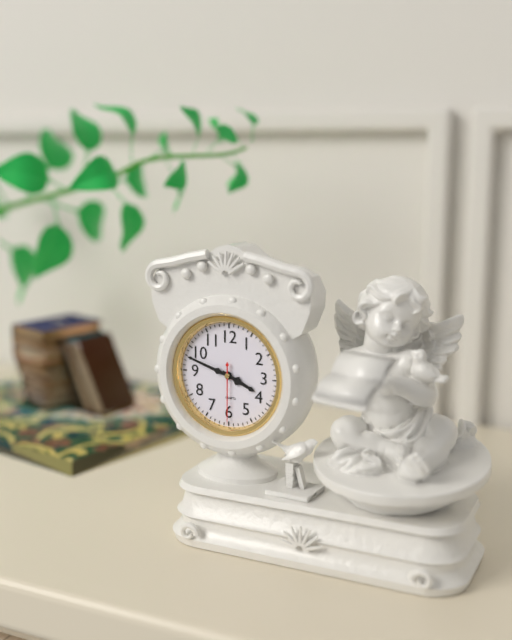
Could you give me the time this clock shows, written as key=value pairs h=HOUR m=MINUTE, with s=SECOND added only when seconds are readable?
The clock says h=3 m=48 s=30
